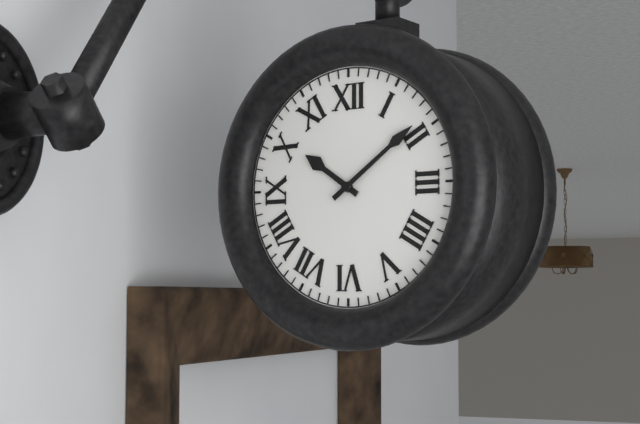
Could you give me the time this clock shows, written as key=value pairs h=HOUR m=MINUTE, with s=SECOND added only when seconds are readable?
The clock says h=10 m=9
